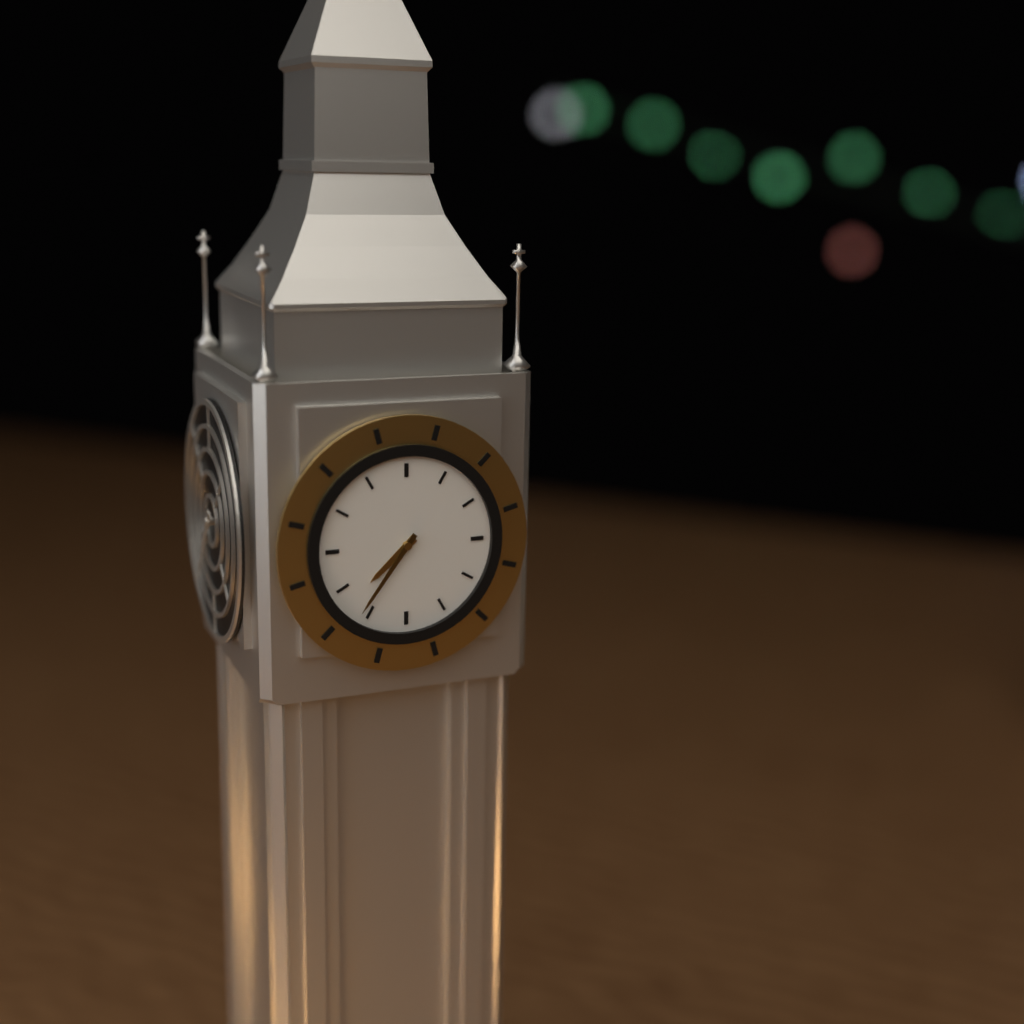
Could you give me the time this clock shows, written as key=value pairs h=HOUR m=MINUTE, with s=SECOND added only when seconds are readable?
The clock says h=7 m=36
